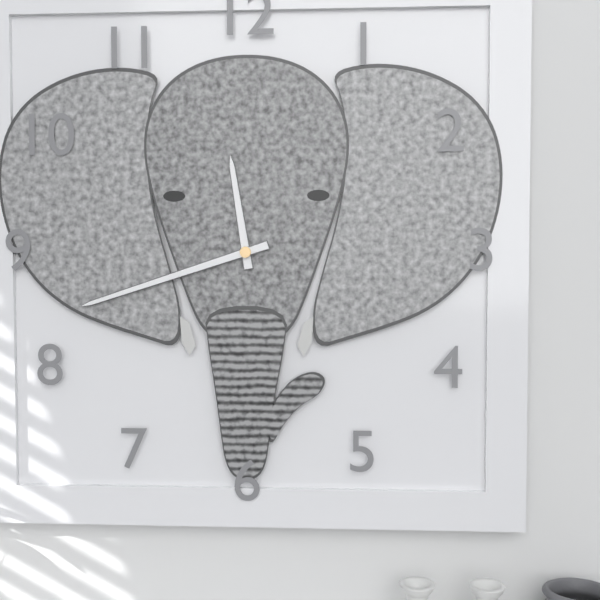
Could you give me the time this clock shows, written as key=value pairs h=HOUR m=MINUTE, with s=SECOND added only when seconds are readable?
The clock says h=11 m=42
